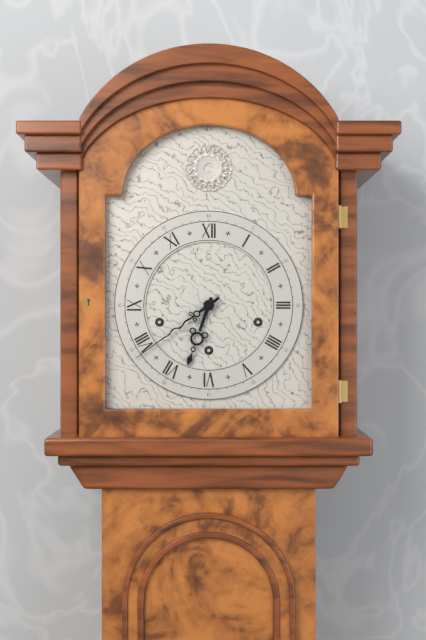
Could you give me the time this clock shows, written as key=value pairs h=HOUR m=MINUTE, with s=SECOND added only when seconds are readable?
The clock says h=6 m=39
